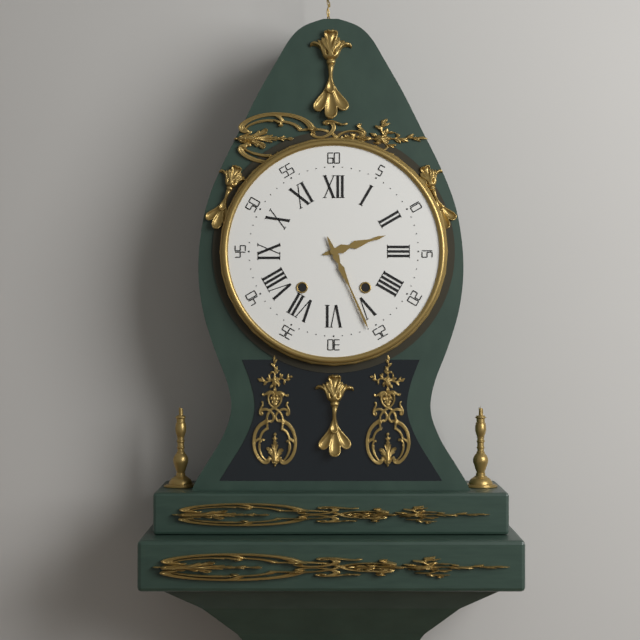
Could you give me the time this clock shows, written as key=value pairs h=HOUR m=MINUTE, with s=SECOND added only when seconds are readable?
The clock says h=2 m=26
